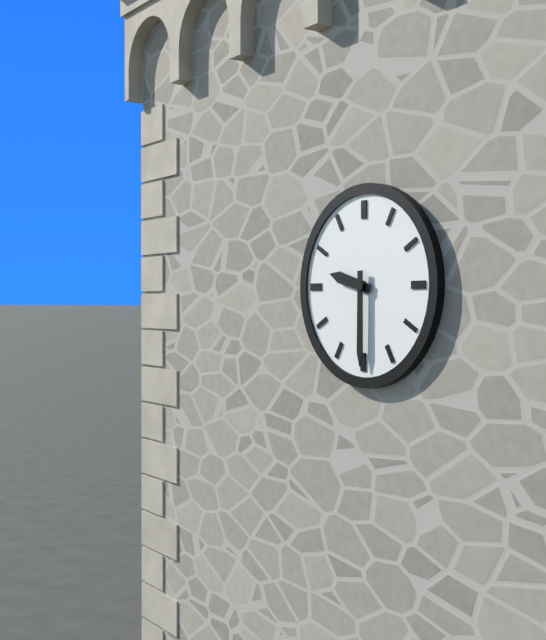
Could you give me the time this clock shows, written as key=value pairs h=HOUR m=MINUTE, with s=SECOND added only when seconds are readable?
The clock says h=9 m=30
